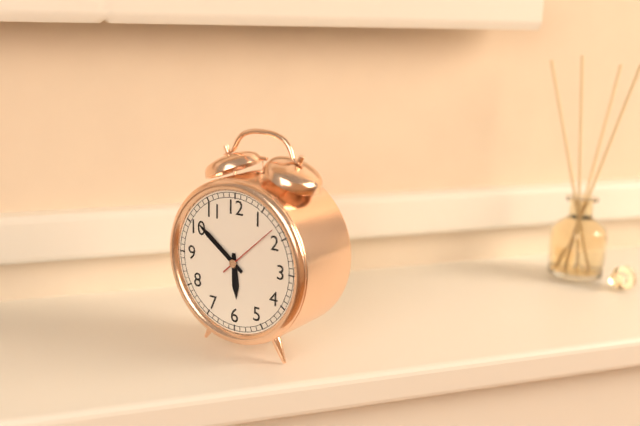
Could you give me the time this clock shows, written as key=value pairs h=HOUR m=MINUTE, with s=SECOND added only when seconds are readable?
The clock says h=5 m=51 s=8
